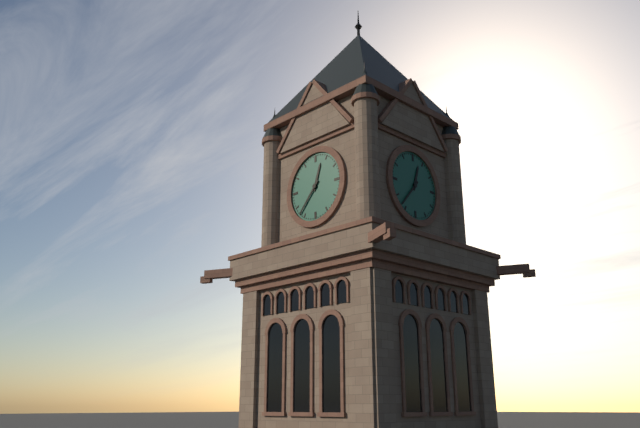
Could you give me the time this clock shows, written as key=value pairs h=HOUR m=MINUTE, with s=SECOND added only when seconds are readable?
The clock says h=12 m=37
